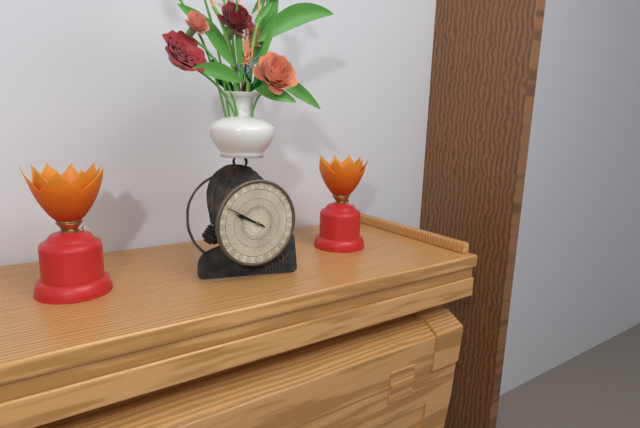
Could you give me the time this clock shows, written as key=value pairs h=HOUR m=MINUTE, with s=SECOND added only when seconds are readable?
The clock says h=9 m=50
